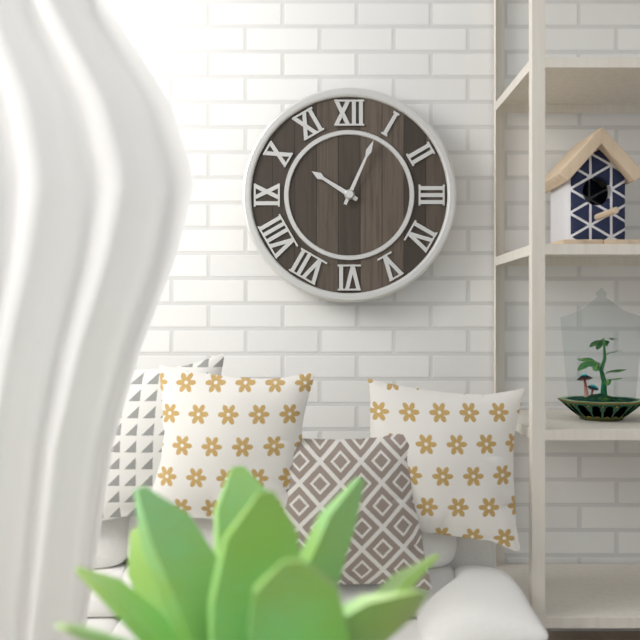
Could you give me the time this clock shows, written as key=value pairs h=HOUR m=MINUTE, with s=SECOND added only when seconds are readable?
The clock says h=10 m=4
